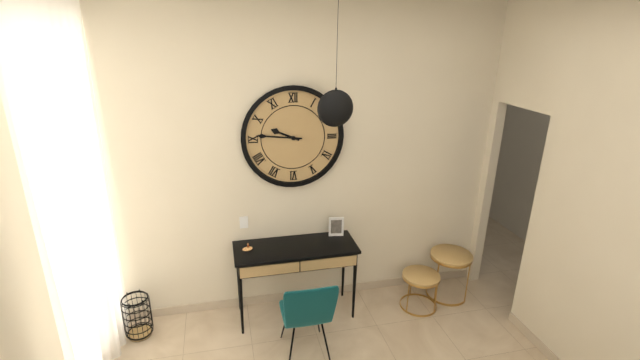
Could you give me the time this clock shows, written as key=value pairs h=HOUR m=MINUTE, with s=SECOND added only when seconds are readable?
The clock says h=9 m=46
